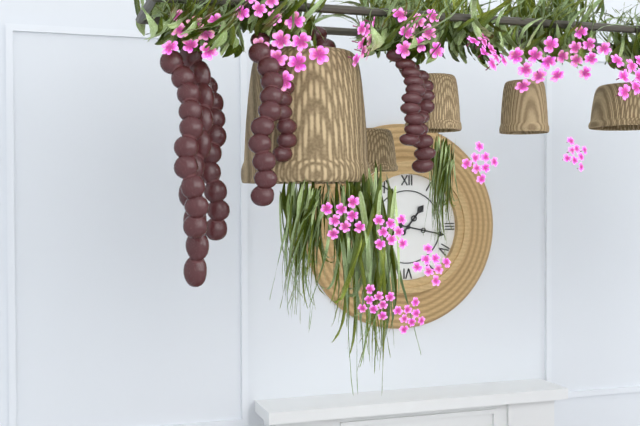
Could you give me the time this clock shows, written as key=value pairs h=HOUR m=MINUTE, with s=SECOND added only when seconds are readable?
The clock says h=1 m=17
